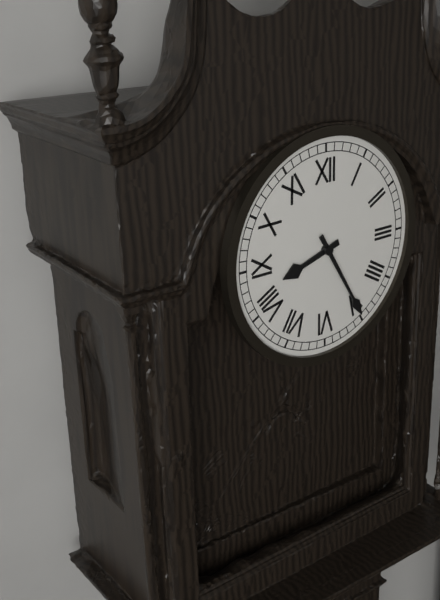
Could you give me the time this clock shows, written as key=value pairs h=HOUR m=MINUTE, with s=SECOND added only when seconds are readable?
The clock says h=8 m=25
